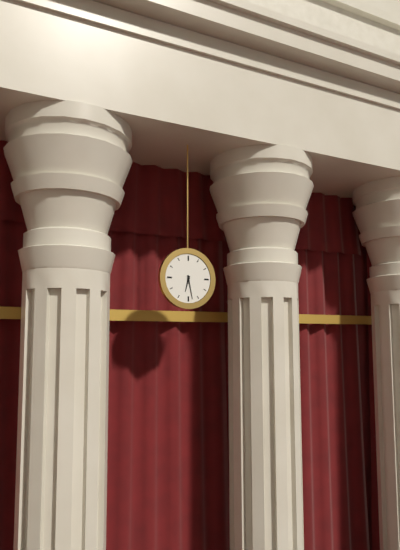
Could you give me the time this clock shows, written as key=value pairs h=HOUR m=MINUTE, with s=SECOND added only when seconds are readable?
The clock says h=6 m=28
